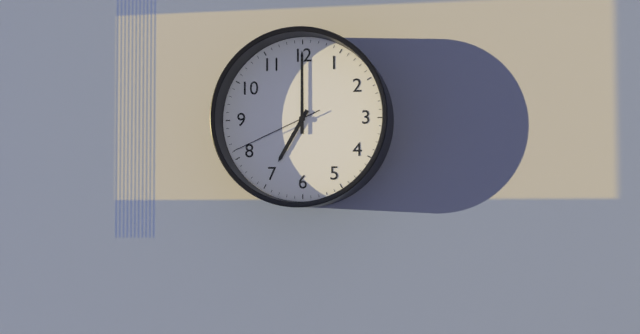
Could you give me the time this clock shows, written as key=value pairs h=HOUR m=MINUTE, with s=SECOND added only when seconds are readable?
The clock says h=7 m=0 s=41
